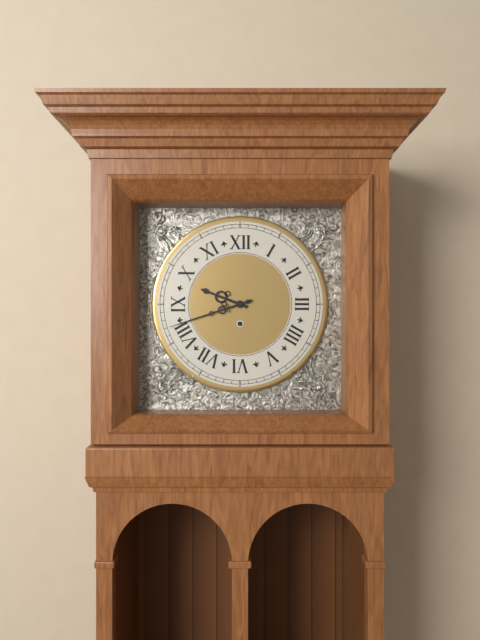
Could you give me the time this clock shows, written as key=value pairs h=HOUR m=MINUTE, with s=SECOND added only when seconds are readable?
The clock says h=9 m=42
